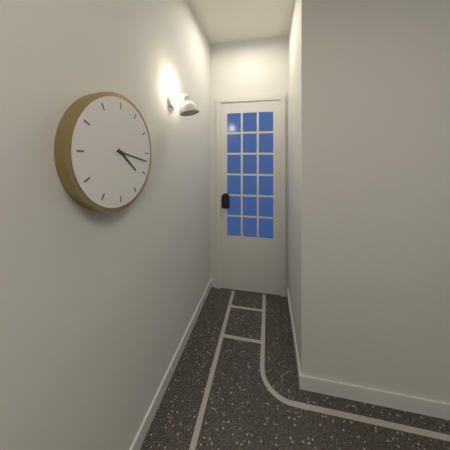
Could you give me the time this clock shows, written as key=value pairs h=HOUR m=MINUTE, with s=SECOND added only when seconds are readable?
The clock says h=4 m=17
